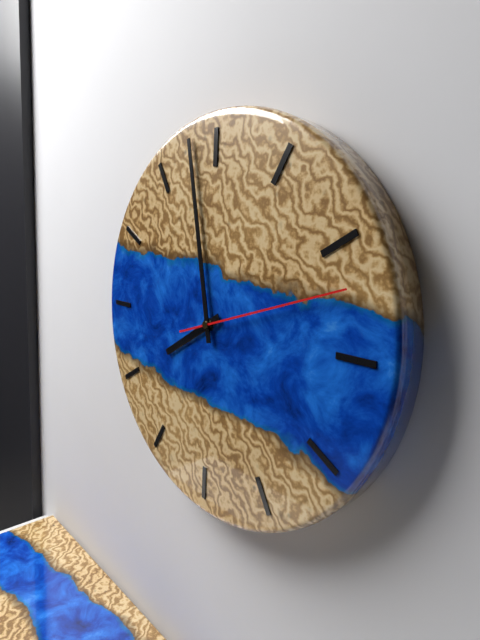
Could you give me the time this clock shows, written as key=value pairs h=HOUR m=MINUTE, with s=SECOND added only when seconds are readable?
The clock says h=7 m=58 s=12
